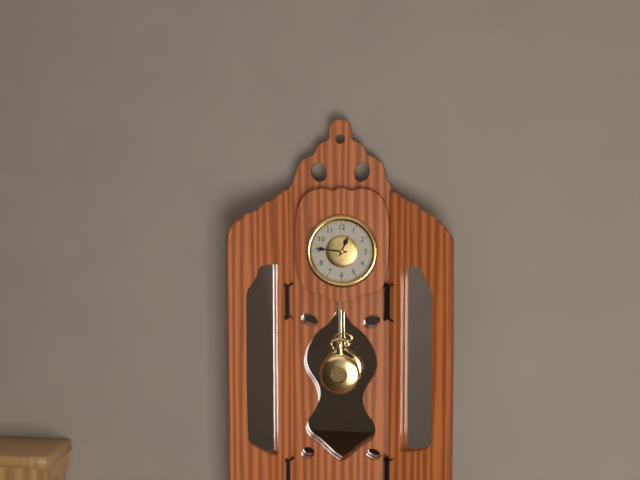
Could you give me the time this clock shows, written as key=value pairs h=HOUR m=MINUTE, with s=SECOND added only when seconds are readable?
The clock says h=12 m=46
